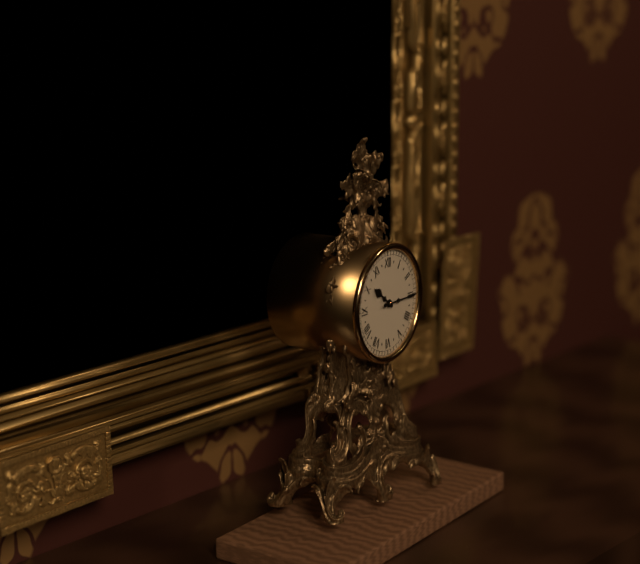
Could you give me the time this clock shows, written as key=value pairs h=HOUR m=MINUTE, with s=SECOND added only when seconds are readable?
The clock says h=10 m=15
